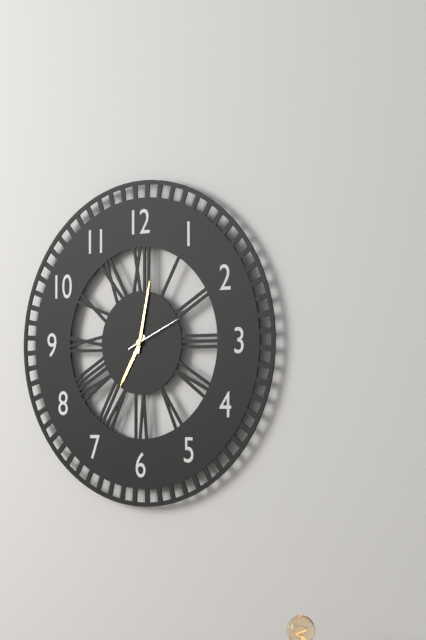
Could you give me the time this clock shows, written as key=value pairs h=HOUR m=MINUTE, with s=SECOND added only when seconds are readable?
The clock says h=7 m=2 s=11
